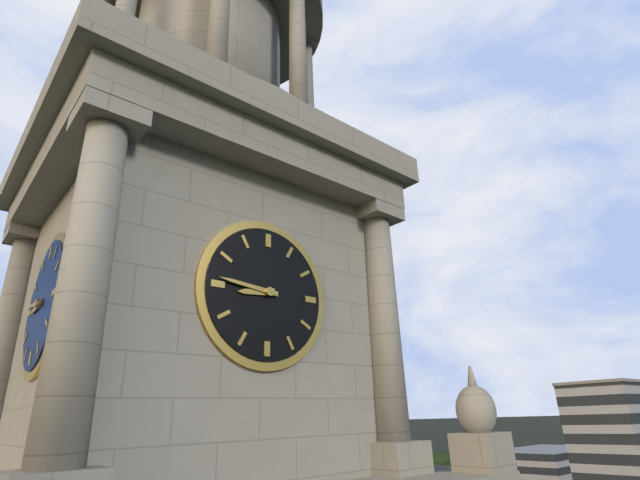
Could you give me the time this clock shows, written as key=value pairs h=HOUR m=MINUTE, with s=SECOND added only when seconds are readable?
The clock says h=8 m=46
